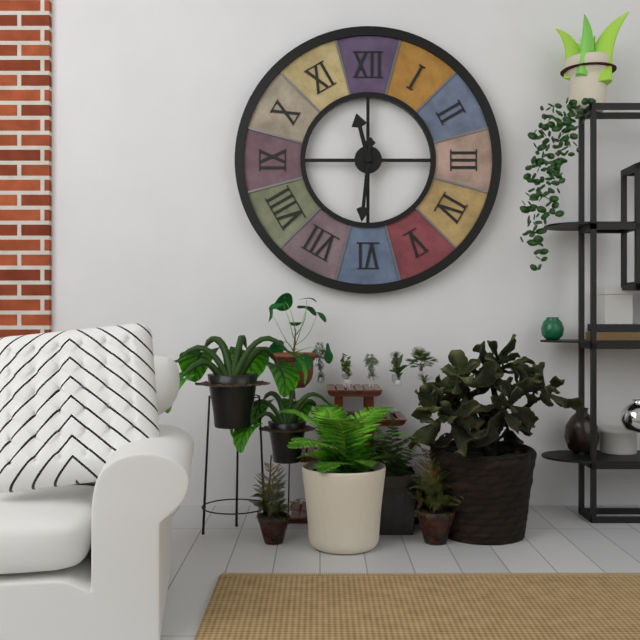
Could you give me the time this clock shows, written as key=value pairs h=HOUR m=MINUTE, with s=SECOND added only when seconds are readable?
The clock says h=11 m=31
